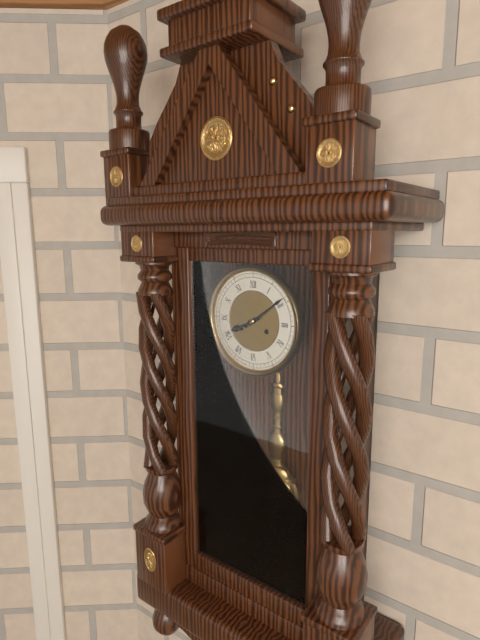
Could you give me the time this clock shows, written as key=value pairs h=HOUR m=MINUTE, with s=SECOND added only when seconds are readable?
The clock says h=8 m=9
